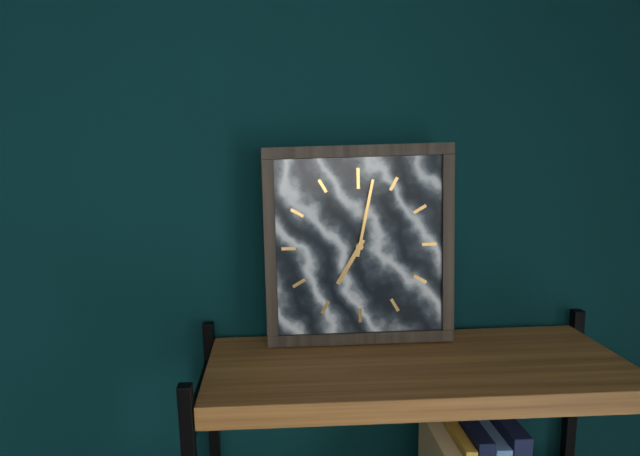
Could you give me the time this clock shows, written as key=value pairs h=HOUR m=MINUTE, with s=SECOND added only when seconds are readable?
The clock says h=7 m=2
